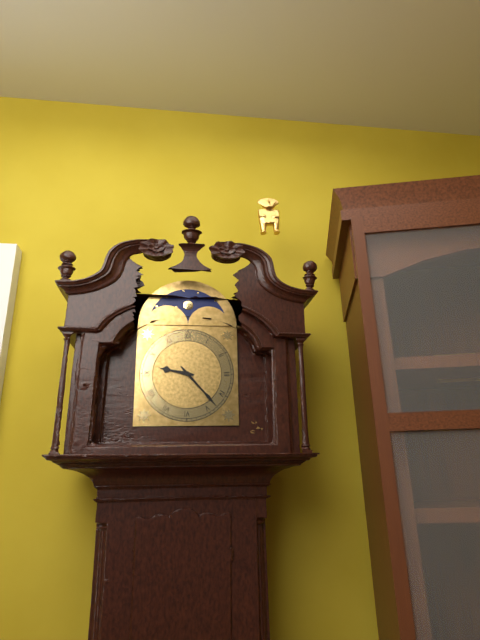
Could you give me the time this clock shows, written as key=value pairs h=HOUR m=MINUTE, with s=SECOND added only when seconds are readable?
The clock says h=9 m=23
